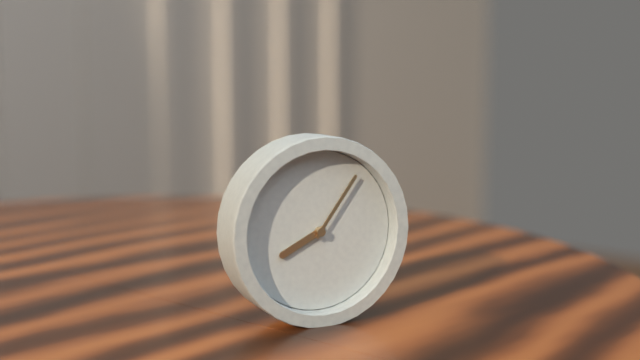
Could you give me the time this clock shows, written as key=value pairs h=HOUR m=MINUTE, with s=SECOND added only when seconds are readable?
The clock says h=8 m=6
